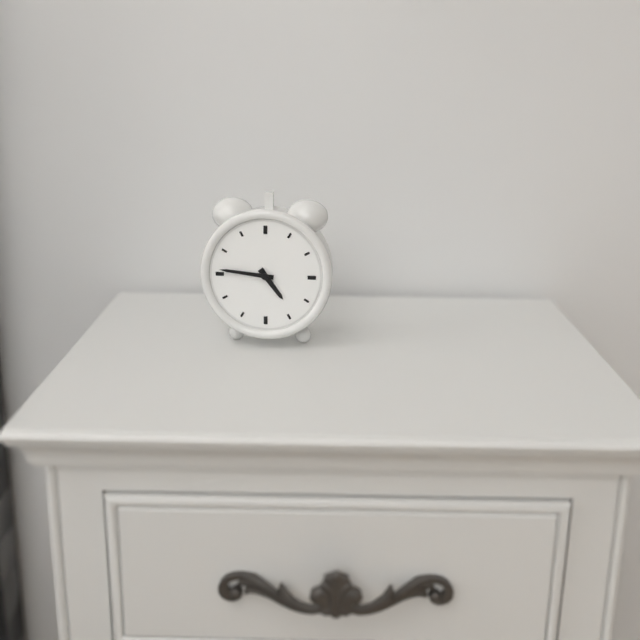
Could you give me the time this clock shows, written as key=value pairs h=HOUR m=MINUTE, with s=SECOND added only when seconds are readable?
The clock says h=4 m=46
